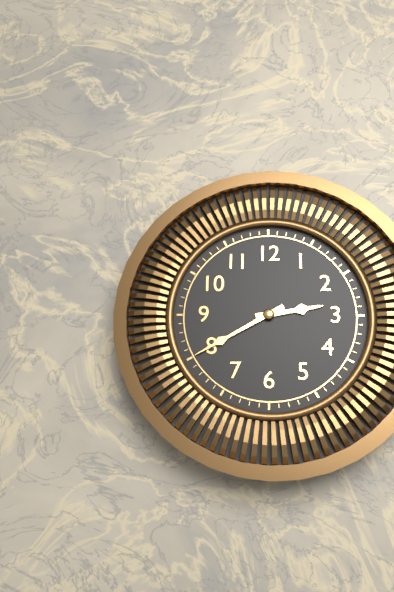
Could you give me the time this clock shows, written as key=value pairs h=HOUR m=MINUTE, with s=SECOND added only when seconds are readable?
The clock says h=2 m=40
